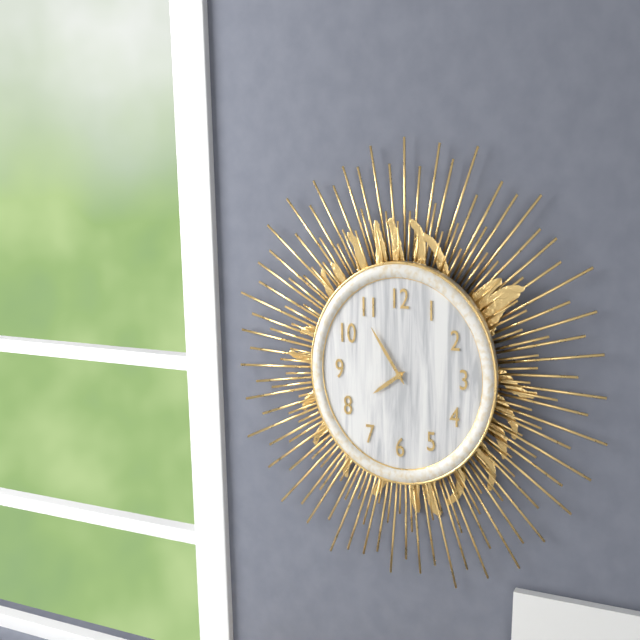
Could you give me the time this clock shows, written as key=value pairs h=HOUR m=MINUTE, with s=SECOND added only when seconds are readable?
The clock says h=7 m=54
